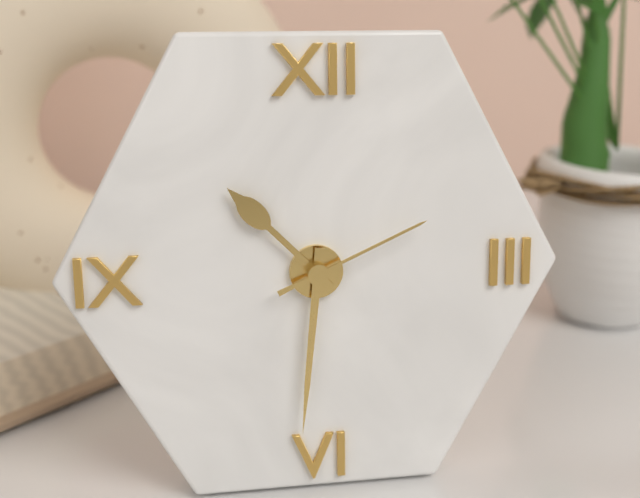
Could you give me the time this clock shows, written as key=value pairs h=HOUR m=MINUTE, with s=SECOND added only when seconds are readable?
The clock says h=10 m=31 s=11
